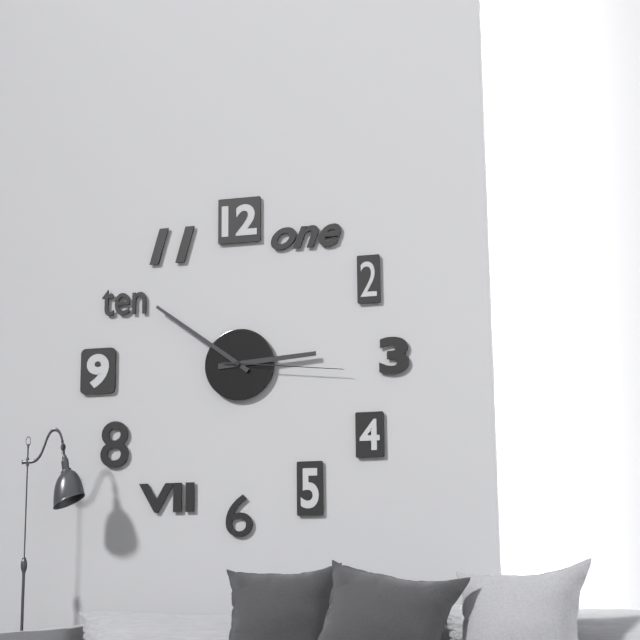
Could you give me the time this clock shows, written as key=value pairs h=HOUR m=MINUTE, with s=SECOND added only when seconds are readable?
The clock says h=2 m=51 s=16
